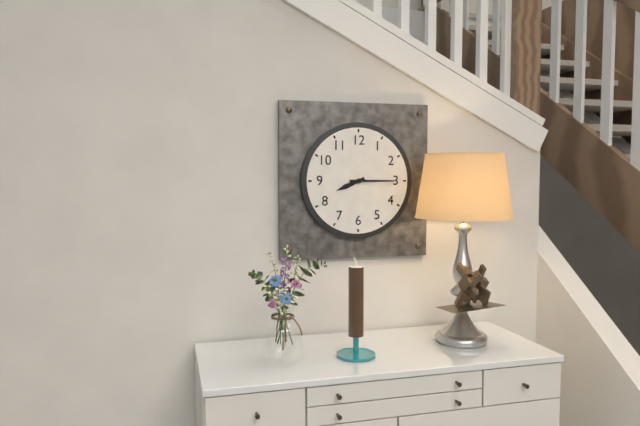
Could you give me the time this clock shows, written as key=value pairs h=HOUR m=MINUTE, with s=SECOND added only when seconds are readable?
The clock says h=8 m=15
